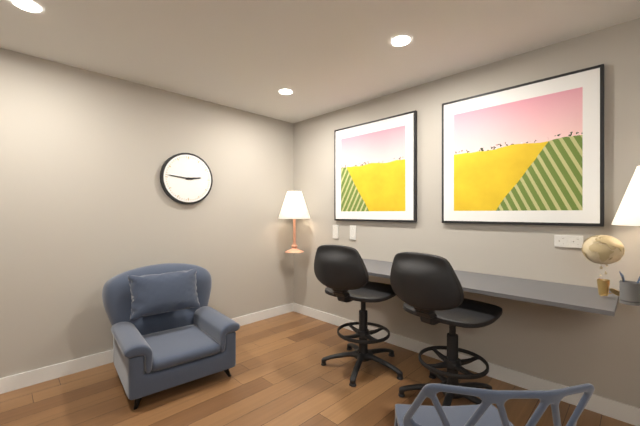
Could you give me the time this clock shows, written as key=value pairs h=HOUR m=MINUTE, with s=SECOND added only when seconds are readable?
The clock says h=2 m=46
